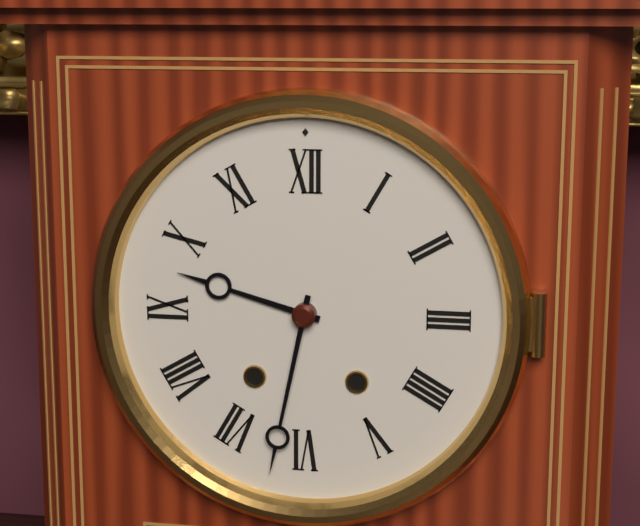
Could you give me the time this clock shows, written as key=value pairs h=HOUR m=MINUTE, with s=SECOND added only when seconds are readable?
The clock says h=9 m=32
